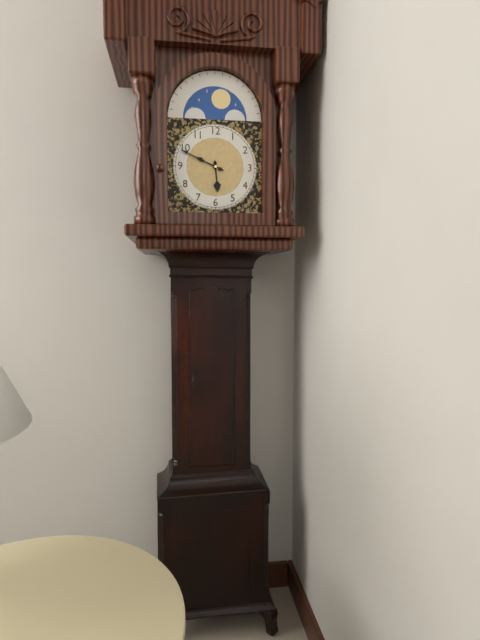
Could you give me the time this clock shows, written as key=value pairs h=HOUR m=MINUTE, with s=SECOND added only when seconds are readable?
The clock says h=5 m=49
